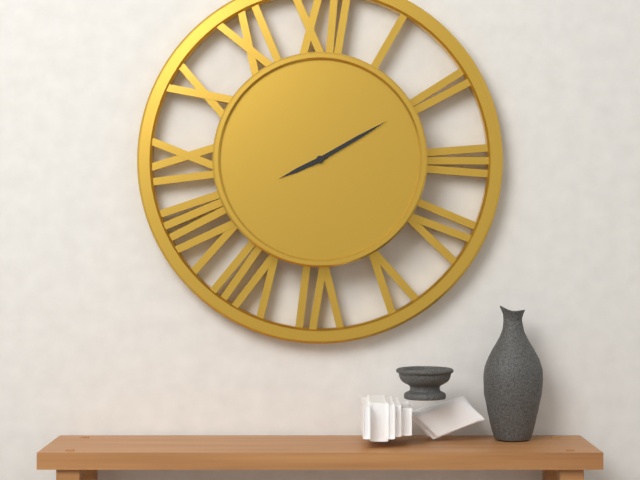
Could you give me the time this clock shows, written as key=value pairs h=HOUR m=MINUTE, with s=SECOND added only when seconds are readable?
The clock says h=8 m=10
